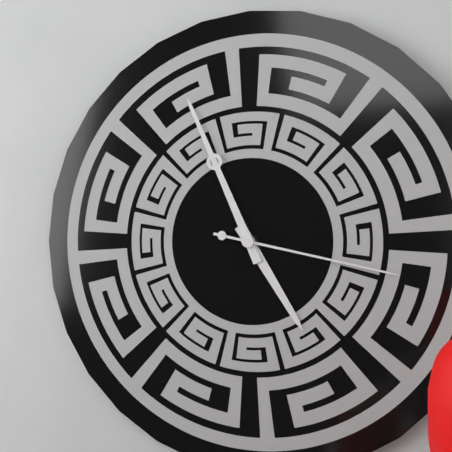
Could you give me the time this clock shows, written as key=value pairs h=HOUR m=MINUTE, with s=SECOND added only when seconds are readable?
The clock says h=4 m=56 s=17
